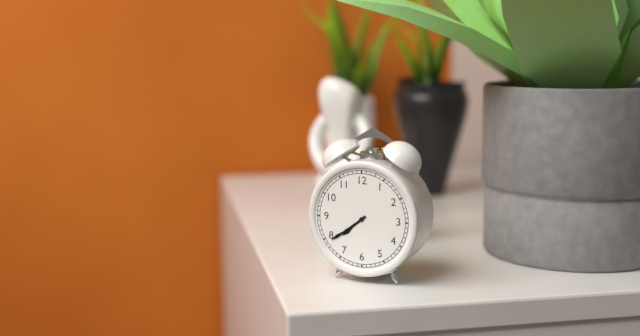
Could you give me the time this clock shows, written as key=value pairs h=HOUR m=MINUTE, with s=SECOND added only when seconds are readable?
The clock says h=7 m=39
